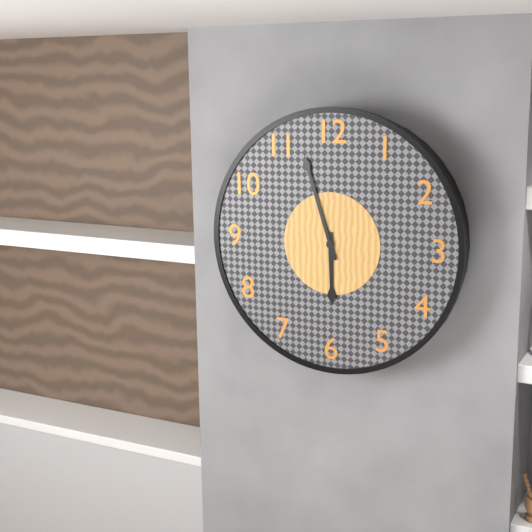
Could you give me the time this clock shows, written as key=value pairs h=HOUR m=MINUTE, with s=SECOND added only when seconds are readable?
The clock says h=5 m=57
